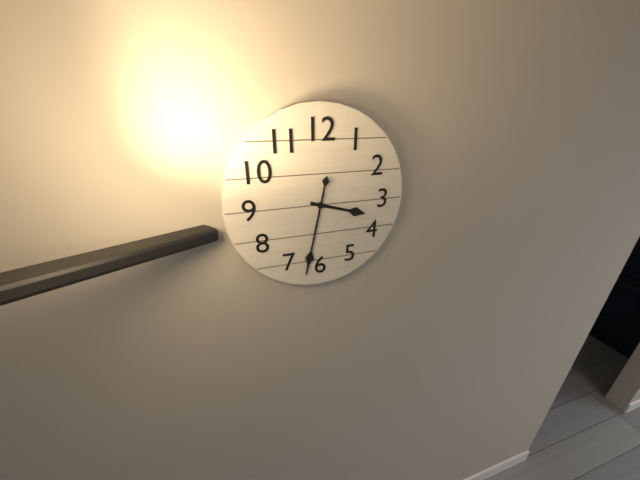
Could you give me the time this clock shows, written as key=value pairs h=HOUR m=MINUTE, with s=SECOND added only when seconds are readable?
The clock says h=3 m=32
